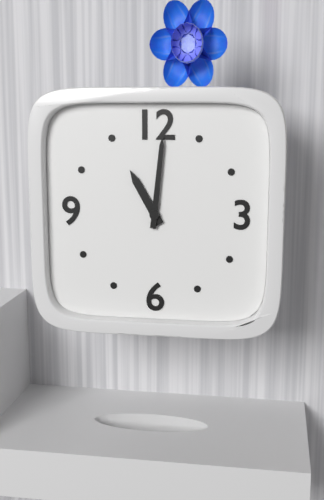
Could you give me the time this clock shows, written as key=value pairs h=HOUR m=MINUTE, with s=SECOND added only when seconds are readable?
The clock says h=11 m=1
